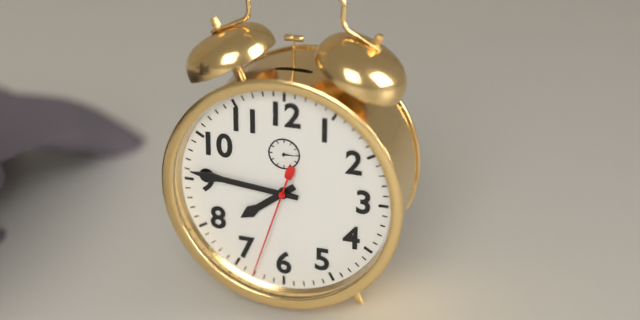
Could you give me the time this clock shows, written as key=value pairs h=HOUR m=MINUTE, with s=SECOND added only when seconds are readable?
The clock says h=7 m=46 s=33
